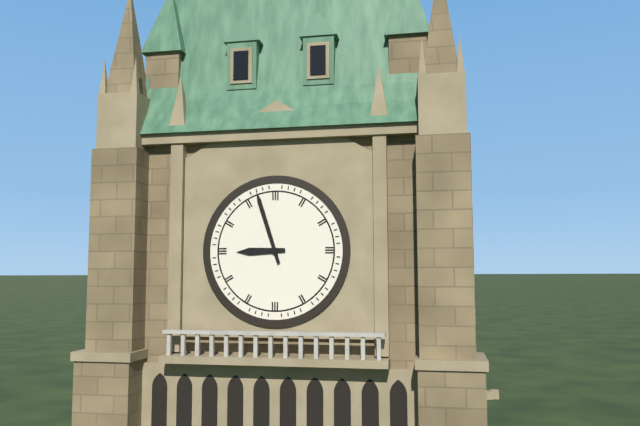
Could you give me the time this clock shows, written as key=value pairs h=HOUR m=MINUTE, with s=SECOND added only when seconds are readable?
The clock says h=8 m=57
